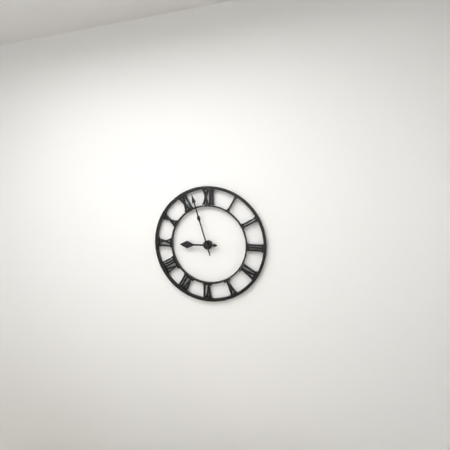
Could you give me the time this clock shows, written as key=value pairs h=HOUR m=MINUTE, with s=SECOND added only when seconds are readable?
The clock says h=8 m=57
